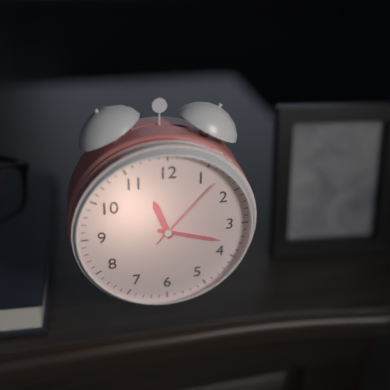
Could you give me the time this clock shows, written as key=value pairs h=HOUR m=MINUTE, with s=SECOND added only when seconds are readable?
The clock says h=11 m=18 s=7
